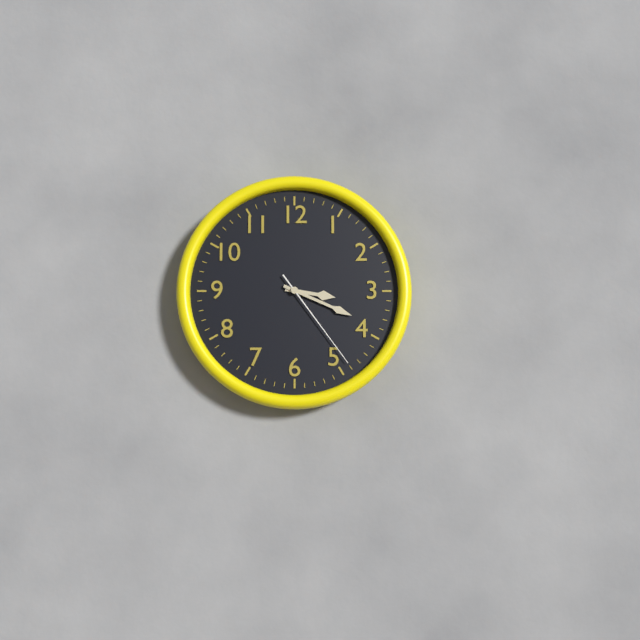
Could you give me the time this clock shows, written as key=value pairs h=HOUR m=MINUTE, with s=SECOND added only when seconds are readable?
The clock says h=3 m=19 s=24
